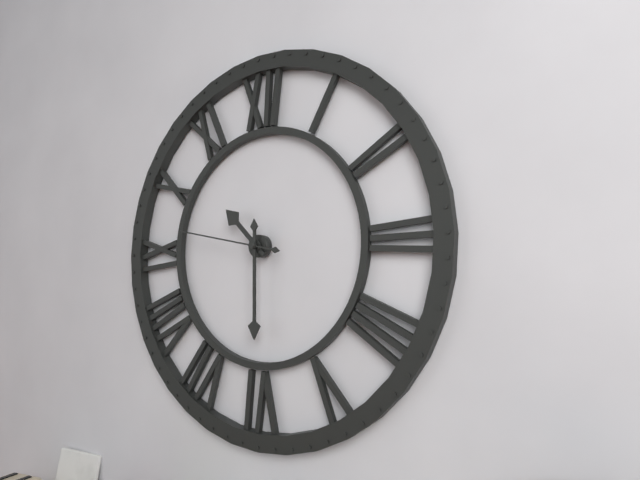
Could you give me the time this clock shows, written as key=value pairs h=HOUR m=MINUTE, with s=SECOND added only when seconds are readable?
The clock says h=10 m=30 s=47
